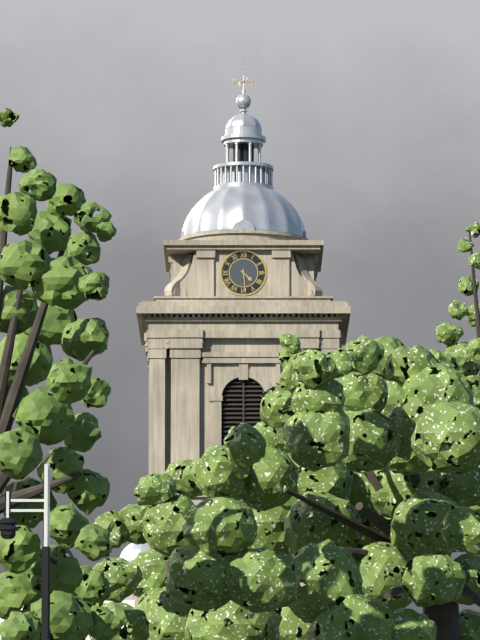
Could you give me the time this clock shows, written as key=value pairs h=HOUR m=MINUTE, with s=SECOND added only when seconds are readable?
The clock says h=4 m=29
